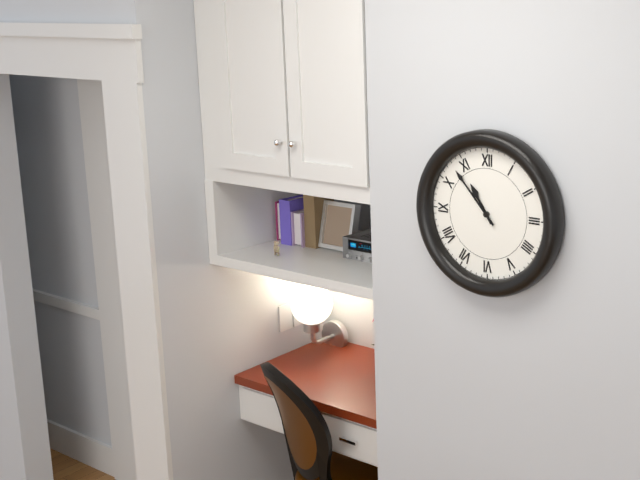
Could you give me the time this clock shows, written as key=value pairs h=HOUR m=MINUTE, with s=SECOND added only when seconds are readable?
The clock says h=10 m=53
